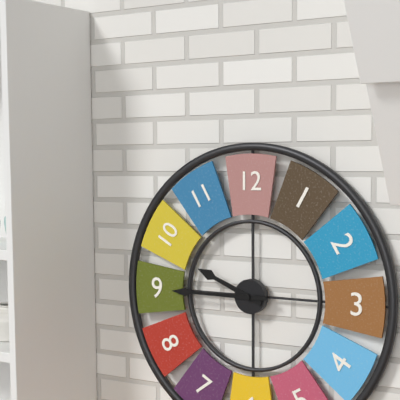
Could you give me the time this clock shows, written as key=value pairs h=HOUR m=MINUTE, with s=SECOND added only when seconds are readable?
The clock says h=9 m=45
